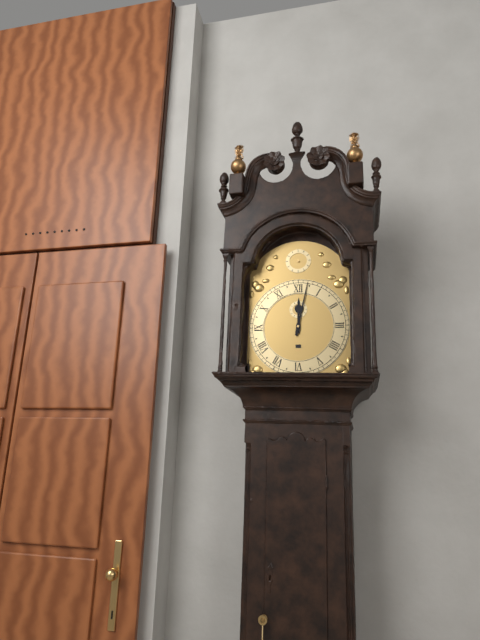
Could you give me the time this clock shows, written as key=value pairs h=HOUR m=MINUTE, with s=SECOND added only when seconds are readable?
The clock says h=12 m=2
